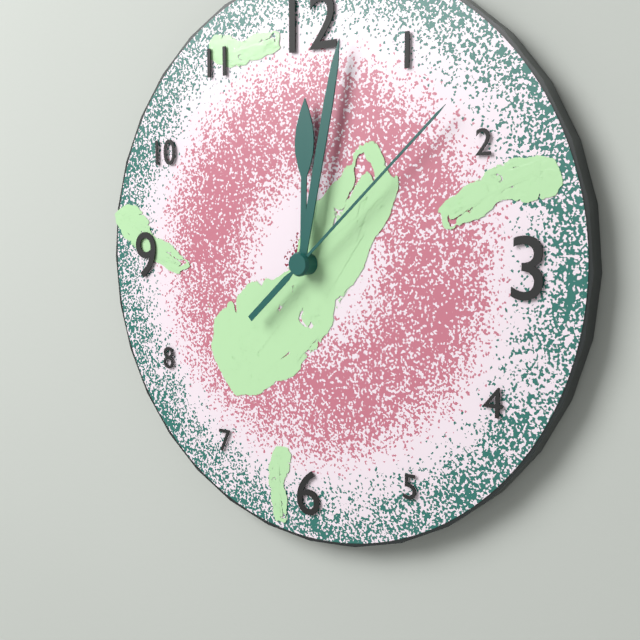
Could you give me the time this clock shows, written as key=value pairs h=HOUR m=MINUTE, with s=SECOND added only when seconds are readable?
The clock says h=12 m=2 s=8
